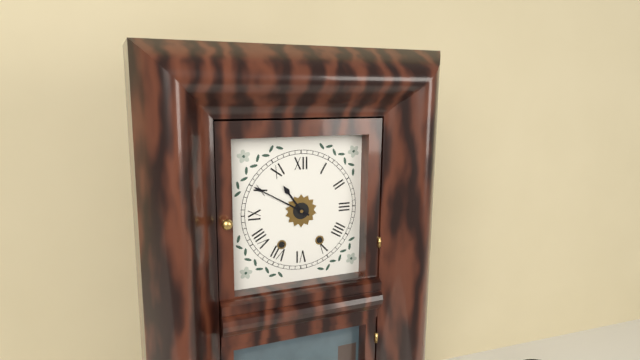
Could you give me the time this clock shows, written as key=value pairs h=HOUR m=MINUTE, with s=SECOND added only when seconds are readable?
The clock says h=10 m=50
